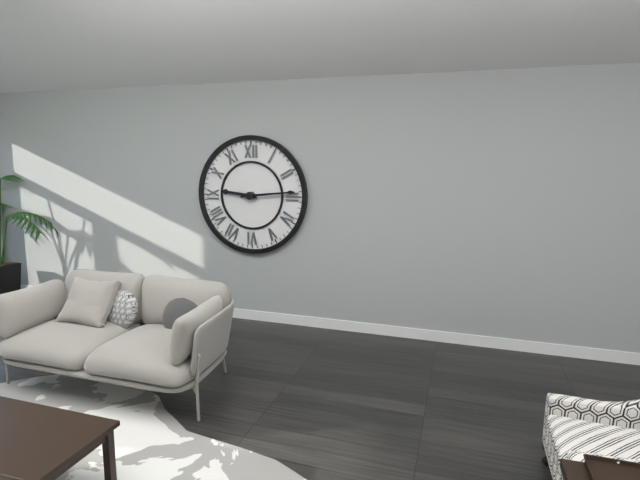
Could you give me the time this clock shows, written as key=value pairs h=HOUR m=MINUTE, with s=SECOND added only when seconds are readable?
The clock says h=9 m=14
